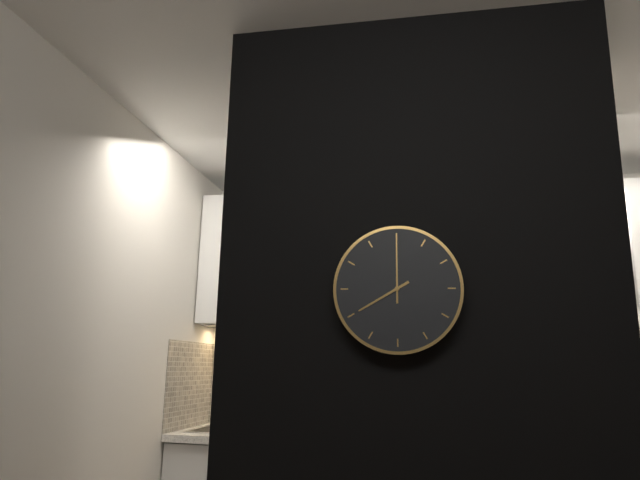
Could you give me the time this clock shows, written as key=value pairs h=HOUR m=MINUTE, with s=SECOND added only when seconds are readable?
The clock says h=8 m=0
